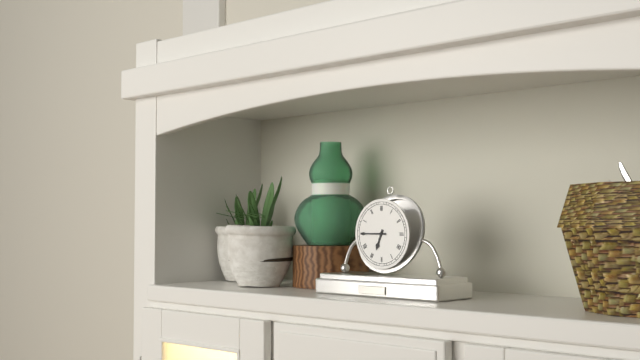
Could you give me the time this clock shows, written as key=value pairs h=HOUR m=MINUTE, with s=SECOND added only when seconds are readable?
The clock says h=6 m=45
